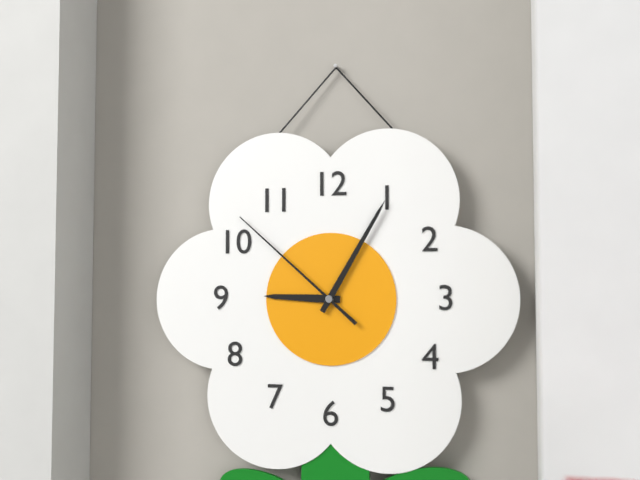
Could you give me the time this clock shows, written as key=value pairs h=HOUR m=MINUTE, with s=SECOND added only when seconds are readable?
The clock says h=9 m=5 s=52
